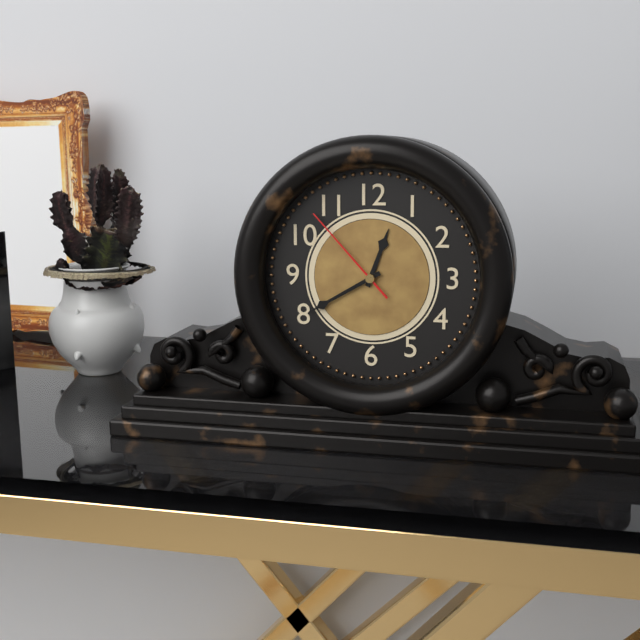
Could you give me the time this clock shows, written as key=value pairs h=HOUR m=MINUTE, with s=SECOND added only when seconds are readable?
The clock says h=12 m=40 s=53
